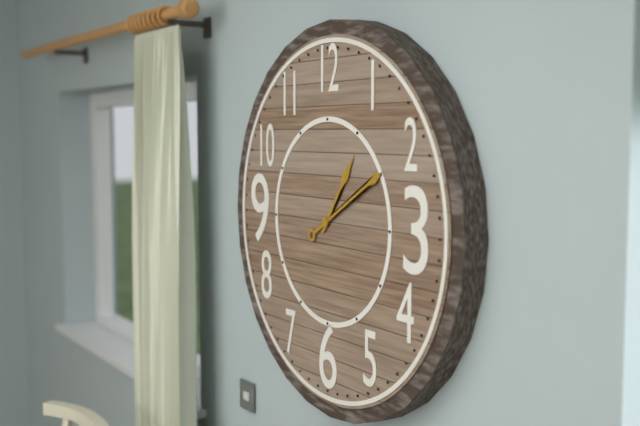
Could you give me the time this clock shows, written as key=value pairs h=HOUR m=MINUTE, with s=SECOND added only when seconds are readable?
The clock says h=1 m=10
